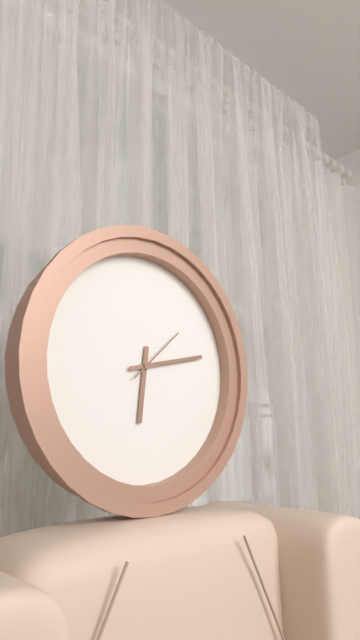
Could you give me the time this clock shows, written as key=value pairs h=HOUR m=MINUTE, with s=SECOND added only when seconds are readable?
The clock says h=6 m=13 s=8
